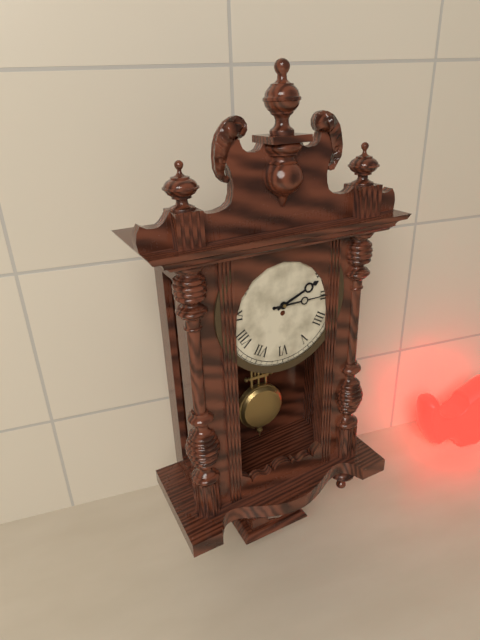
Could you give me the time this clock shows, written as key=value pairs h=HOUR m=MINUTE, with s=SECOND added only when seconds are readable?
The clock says h=2 m=15
